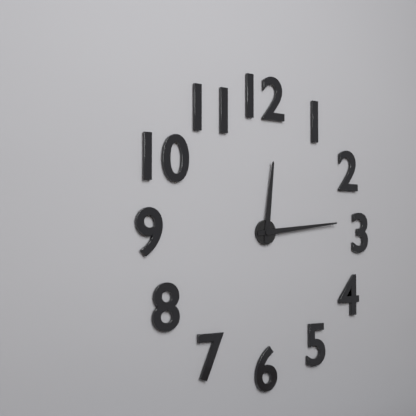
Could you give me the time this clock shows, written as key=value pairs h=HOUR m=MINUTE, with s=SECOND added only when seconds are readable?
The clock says h=12 m=14
